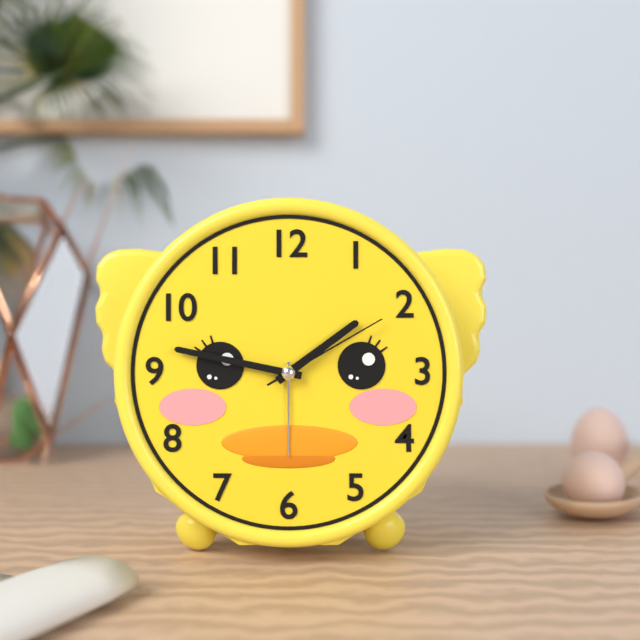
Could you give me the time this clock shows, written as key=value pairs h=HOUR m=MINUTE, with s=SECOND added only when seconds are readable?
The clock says h=1 m=47 s=10
